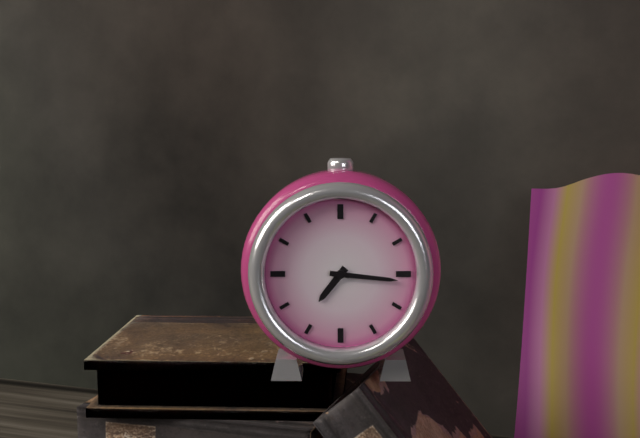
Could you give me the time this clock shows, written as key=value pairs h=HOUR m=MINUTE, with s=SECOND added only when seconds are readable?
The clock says h=7 m=16
